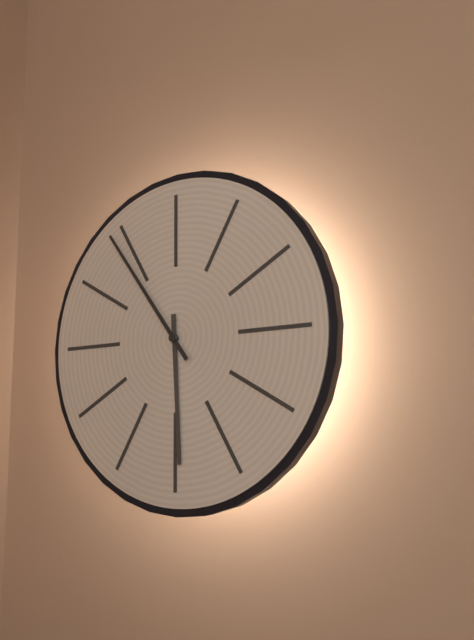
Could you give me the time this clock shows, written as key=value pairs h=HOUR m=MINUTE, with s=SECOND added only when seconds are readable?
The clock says h=5 m=54
